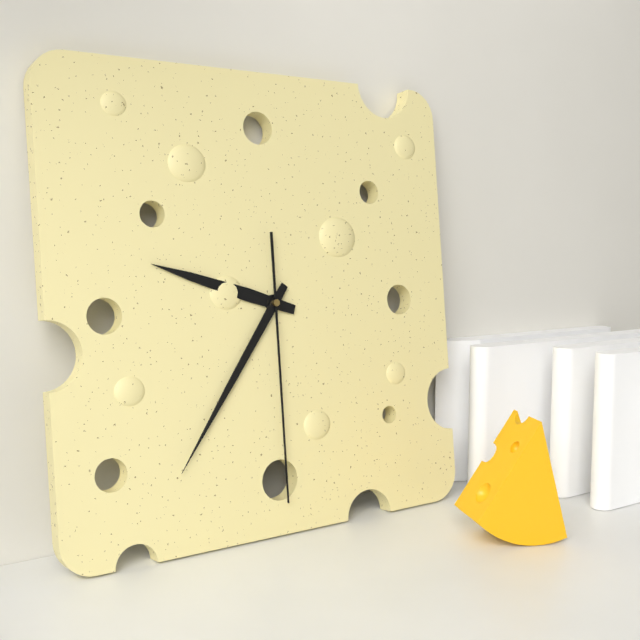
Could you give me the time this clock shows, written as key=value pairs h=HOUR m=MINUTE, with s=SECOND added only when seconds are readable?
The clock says h=9 m=36 s=30
